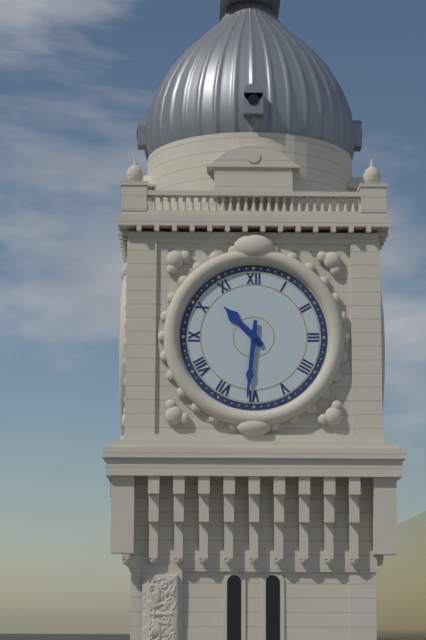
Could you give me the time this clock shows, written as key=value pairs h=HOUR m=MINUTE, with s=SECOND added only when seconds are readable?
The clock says h=10 m=31
